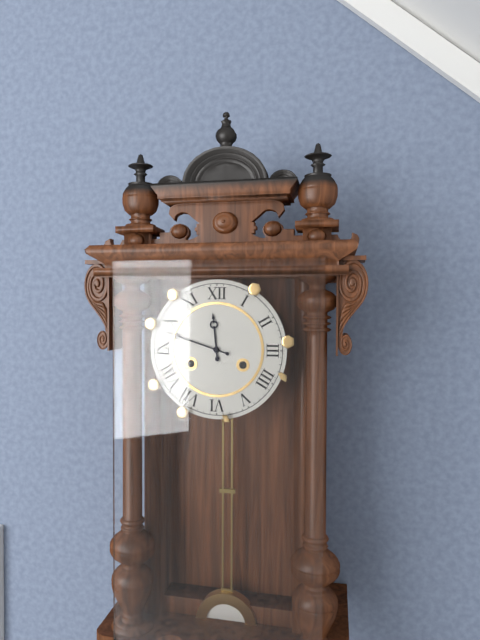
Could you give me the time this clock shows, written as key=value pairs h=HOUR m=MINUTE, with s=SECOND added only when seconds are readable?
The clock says h=11 m=48
